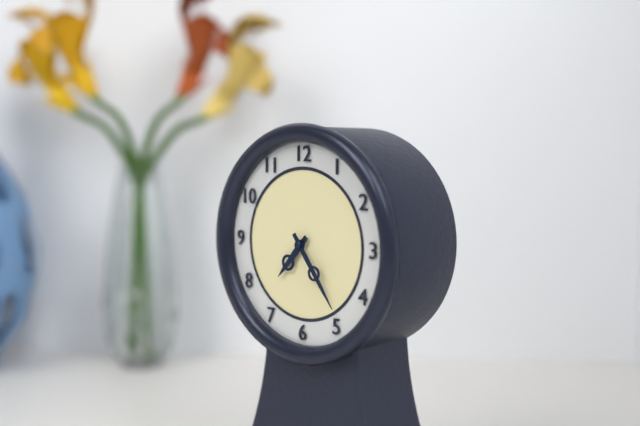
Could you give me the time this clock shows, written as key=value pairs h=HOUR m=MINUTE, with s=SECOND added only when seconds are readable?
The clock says h=7 m=24
